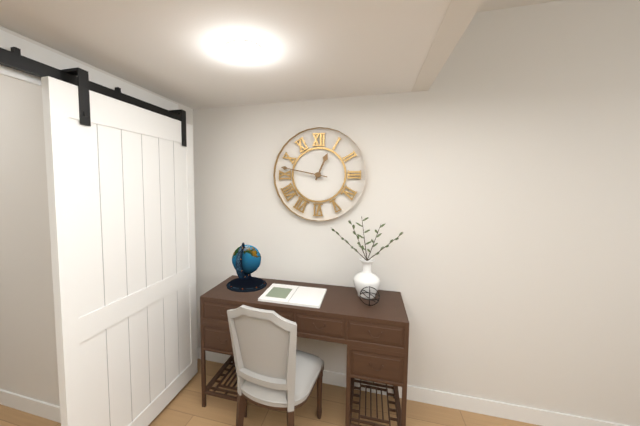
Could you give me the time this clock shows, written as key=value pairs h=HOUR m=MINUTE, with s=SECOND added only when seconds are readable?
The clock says h=12 m=47
